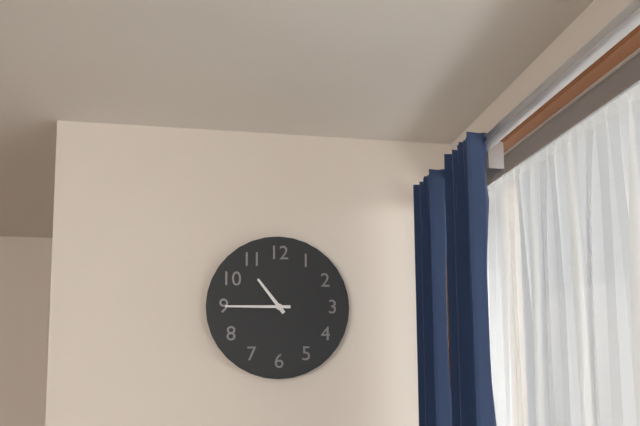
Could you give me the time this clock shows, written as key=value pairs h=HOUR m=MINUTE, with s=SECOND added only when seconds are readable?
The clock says h=10 m=45
